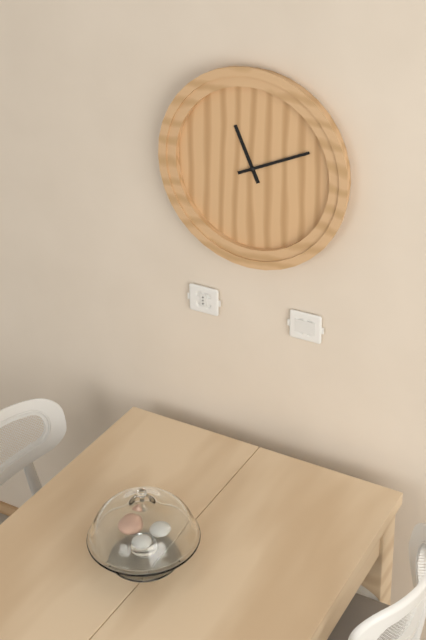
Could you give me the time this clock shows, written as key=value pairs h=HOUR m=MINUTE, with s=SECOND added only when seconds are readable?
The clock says h=11 m=11
